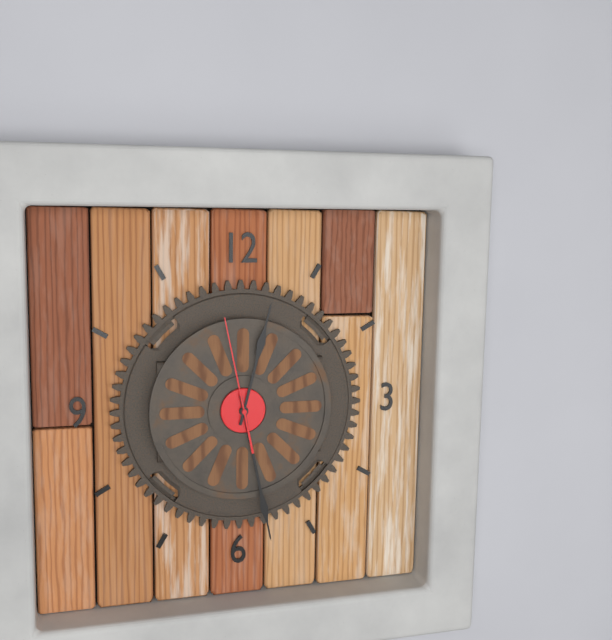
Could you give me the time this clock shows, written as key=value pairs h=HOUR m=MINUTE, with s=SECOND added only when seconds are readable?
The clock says h=12 m=28 s=58
